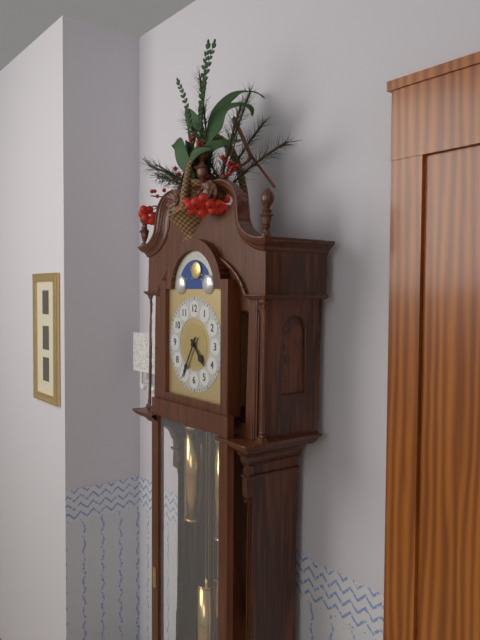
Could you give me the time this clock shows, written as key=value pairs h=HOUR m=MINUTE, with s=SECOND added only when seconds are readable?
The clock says h=4 m=35
